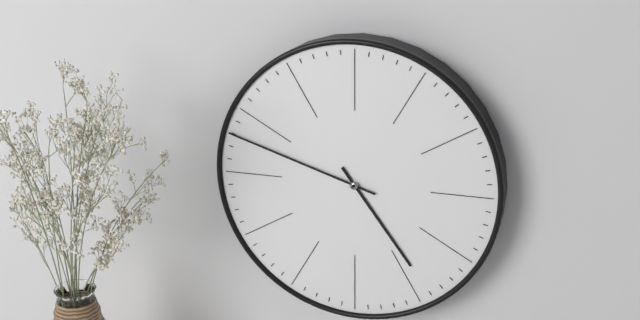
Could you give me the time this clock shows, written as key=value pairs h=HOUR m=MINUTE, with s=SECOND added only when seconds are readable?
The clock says h=4 m=48
